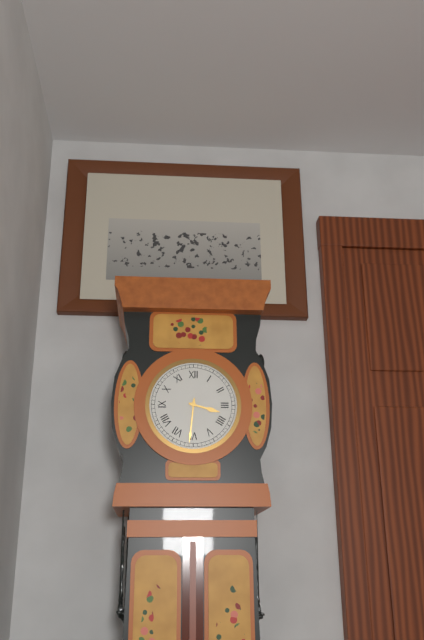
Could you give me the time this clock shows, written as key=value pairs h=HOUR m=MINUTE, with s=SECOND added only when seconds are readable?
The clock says h=3 m=31
